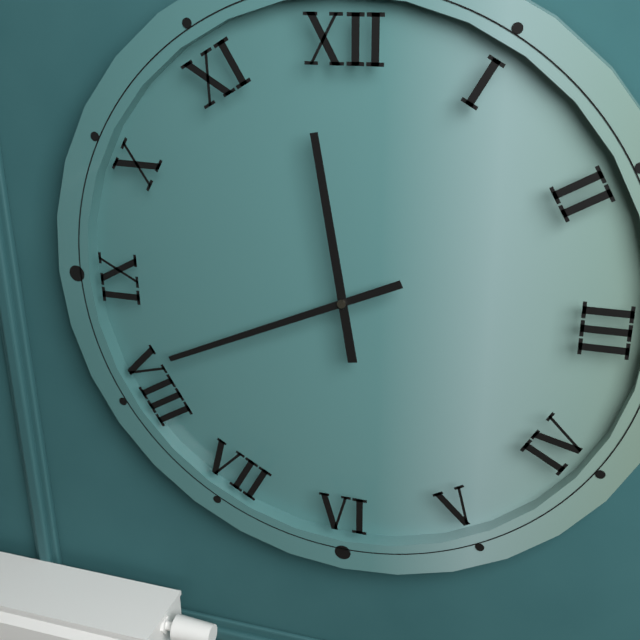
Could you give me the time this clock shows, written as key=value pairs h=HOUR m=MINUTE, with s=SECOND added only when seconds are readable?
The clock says h=11 m=41
